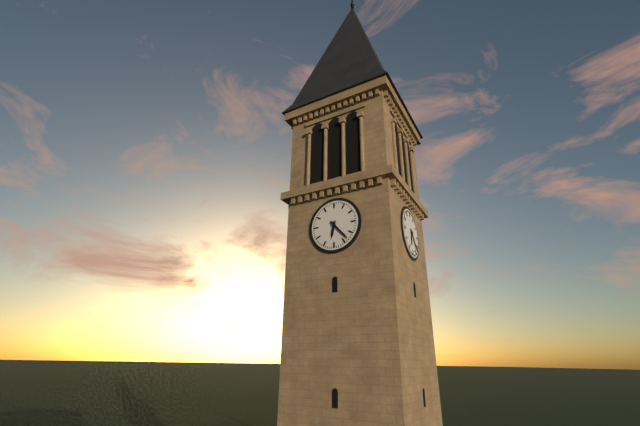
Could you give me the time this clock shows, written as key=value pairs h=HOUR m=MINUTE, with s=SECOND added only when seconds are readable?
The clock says h=6 m=23
